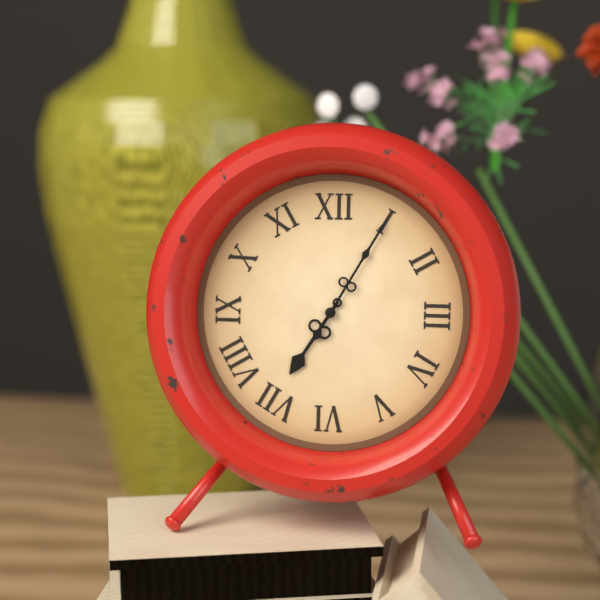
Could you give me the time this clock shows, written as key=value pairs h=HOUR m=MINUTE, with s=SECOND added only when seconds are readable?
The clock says h=7 m=5
